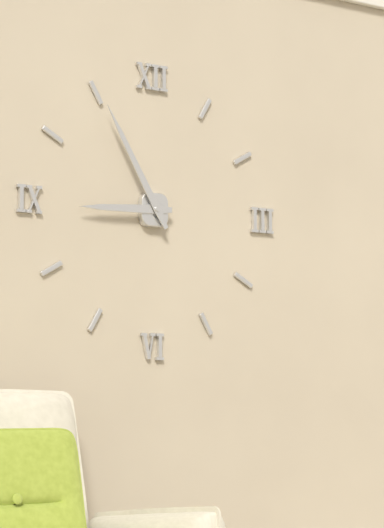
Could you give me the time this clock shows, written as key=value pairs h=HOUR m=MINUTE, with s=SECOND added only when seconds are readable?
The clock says h=8 m=55
